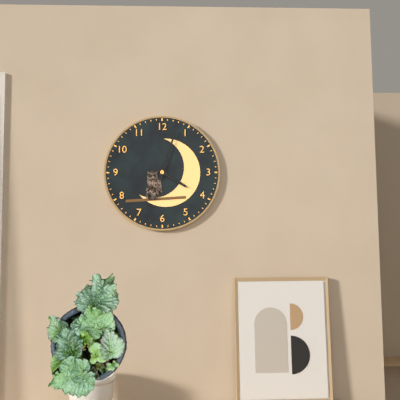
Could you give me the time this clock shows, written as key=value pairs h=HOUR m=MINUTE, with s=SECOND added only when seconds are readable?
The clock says h=4 m=3
